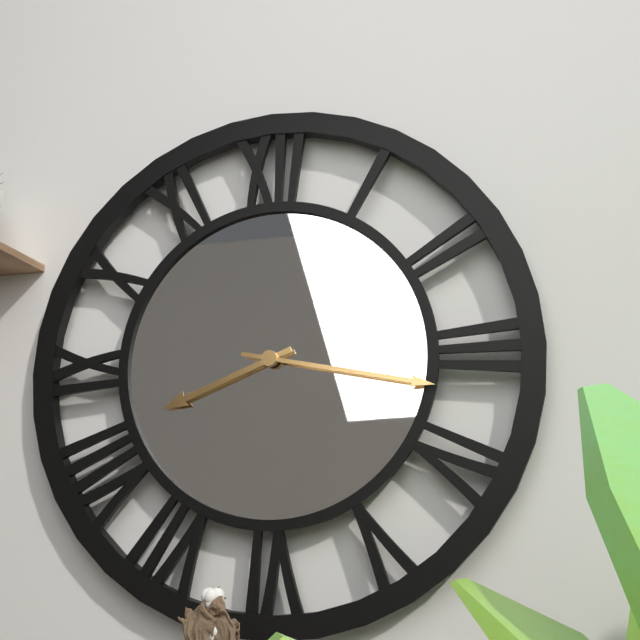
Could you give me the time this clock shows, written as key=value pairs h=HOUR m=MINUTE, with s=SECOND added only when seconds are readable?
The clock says h=8 m=17
